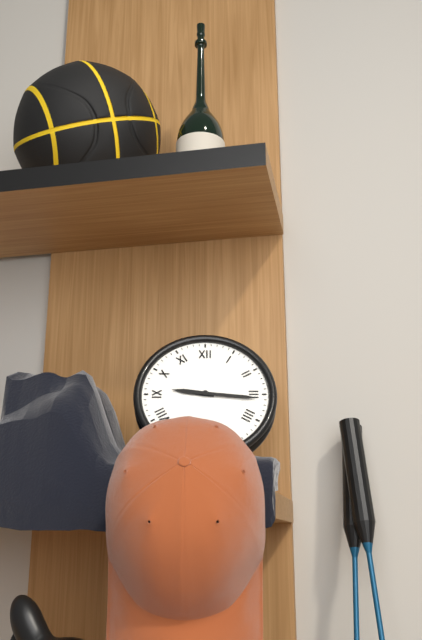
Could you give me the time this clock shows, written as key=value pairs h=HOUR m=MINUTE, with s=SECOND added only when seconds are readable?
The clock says h=9 m=16
